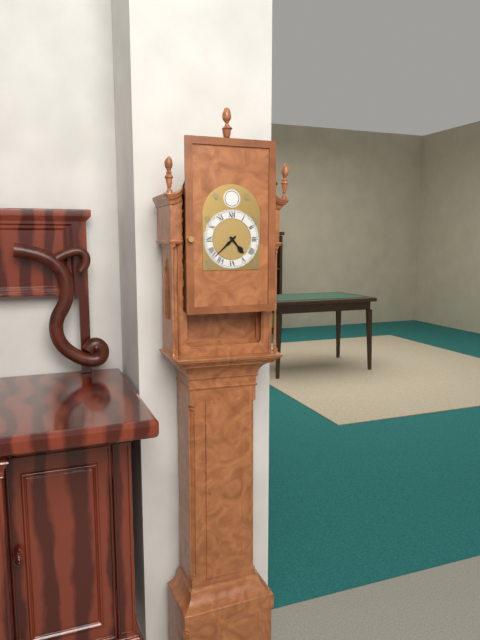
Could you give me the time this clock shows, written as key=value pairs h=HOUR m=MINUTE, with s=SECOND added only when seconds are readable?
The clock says h=4 m=38
